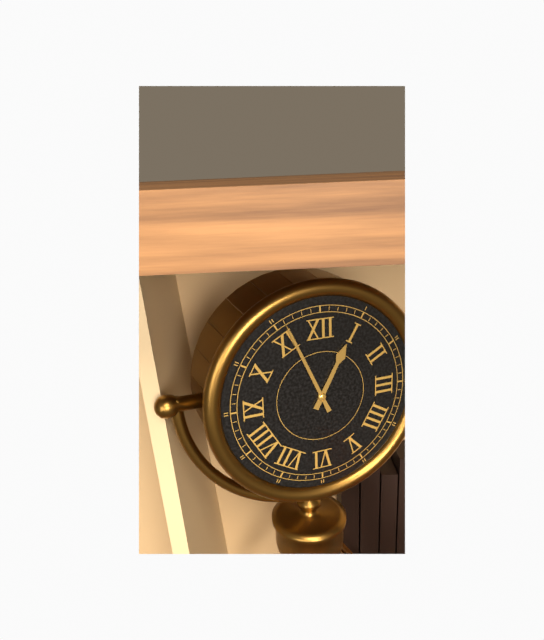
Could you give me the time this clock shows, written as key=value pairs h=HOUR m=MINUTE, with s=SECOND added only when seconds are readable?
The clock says h=12 m=56
